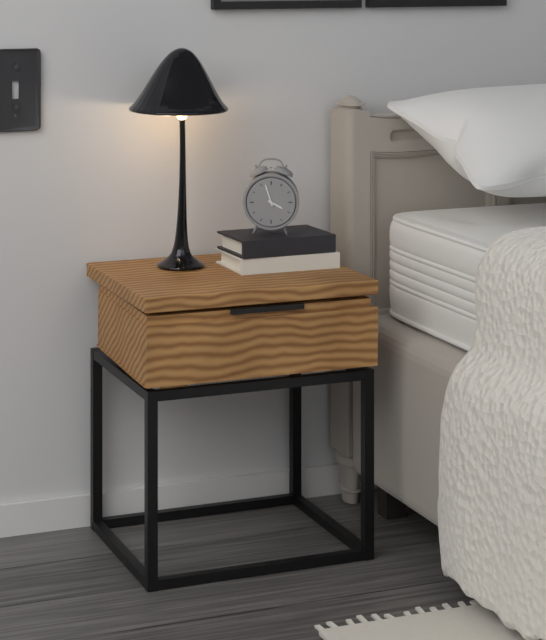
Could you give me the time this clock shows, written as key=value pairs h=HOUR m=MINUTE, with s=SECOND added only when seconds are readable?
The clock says h=3 m=57
